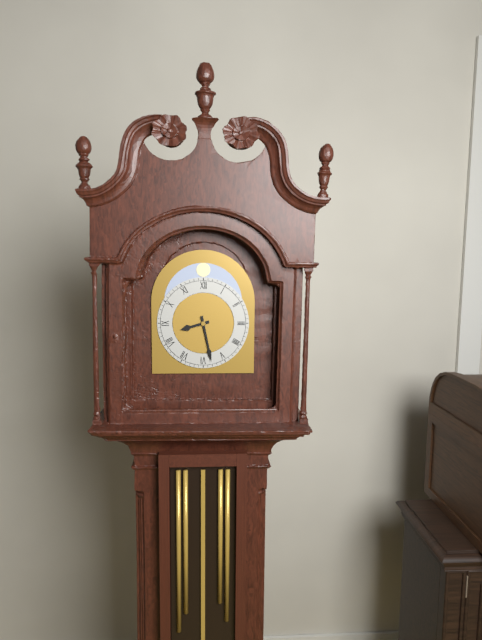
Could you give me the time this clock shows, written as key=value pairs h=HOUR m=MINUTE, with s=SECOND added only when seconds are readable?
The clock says h=8 m=28
